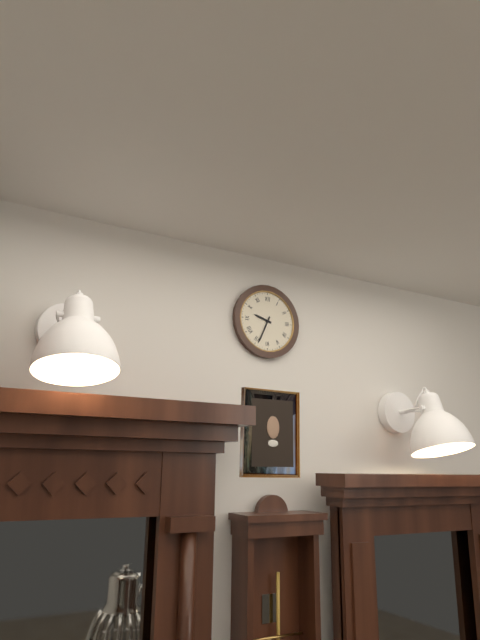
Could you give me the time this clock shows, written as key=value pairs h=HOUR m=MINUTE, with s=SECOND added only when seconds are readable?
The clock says h=9 m=34
